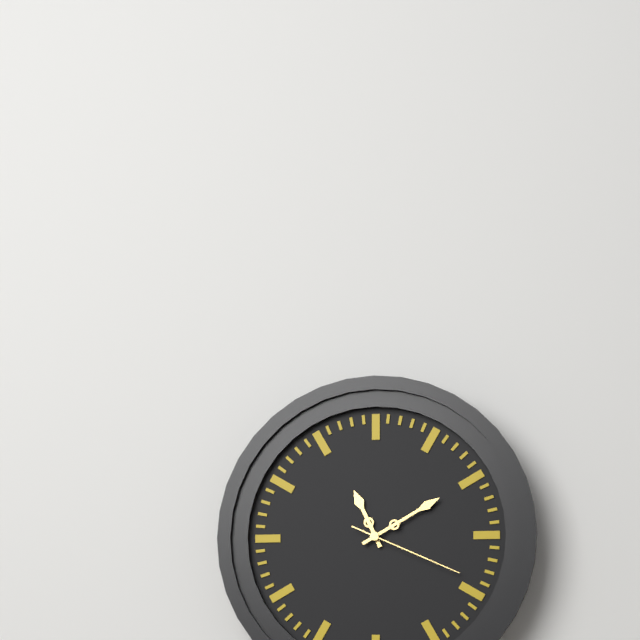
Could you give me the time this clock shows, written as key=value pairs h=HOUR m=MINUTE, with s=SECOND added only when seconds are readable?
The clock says h=11 m=10 s=19
